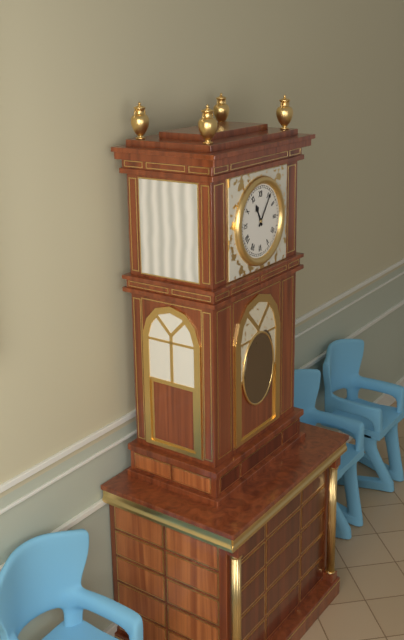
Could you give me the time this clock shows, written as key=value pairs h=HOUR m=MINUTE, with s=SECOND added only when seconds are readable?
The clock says h=11 m=6
